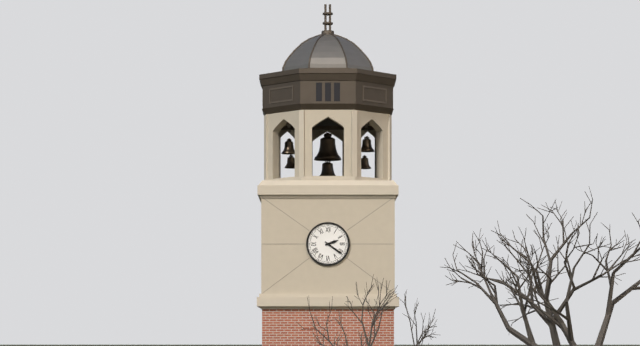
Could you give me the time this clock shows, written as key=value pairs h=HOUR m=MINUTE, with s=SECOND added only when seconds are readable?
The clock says h=2 m=21
